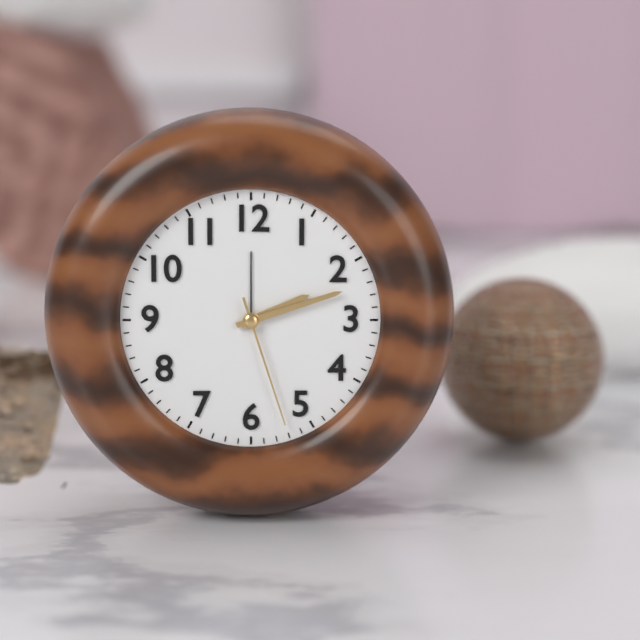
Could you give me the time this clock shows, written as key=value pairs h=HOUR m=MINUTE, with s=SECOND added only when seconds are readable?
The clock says h=2 m=12 s=27
